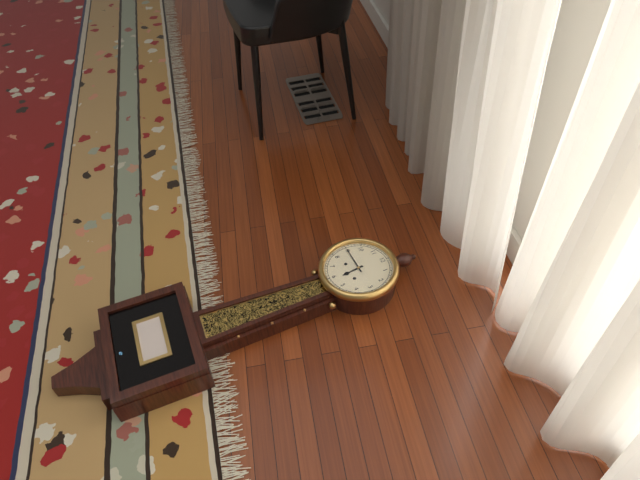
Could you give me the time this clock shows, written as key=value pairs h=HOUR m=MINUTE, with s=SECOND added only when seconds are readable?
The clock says h=5 m=45
